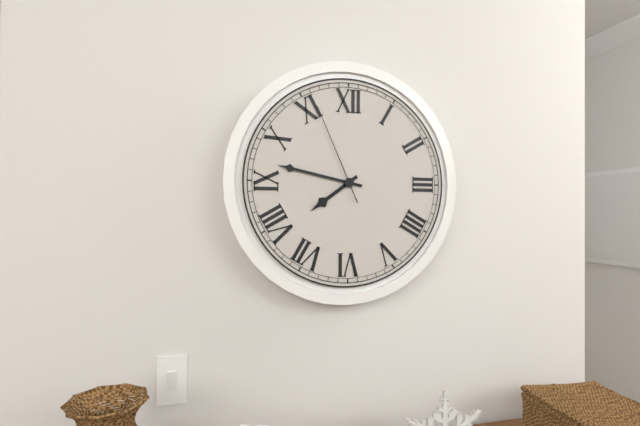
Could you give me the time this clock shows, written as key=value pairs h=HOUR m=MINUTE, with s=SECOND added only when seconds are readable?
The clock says h=7 m=47 s=56
